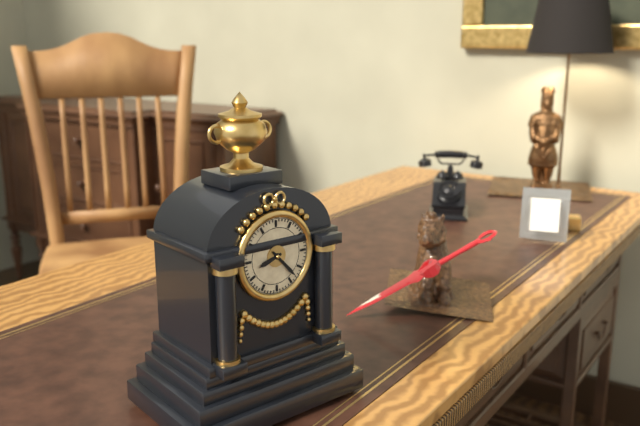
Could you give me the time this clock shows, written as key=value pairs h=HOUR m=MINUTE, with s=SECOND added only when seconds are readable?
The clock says h=8 m=23
